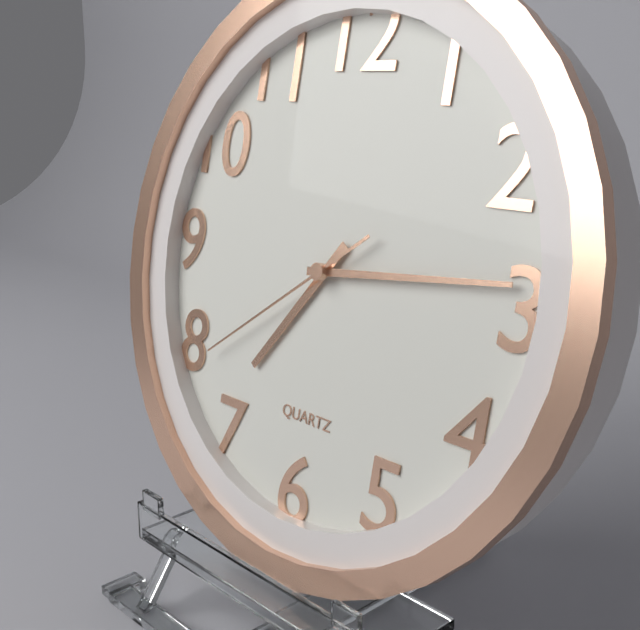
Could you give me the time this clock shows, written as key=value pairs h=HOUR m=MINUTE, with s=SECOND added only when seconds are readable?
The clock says h=7 m=14 s=39
